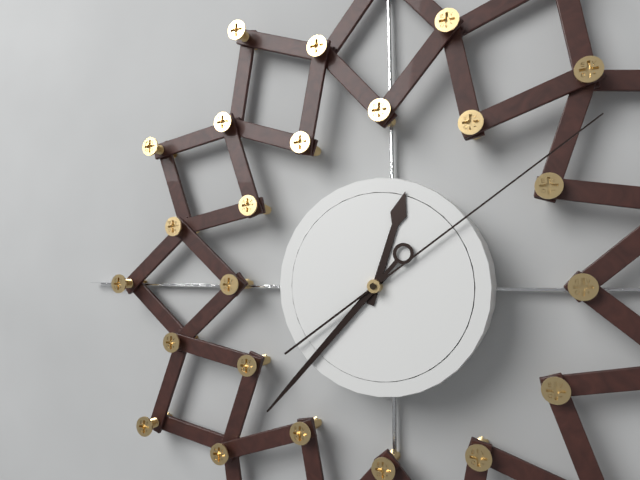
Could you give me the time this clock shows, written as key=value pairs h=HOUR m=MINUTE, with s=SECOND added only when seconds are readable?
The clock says h=12 m=37 s=9
